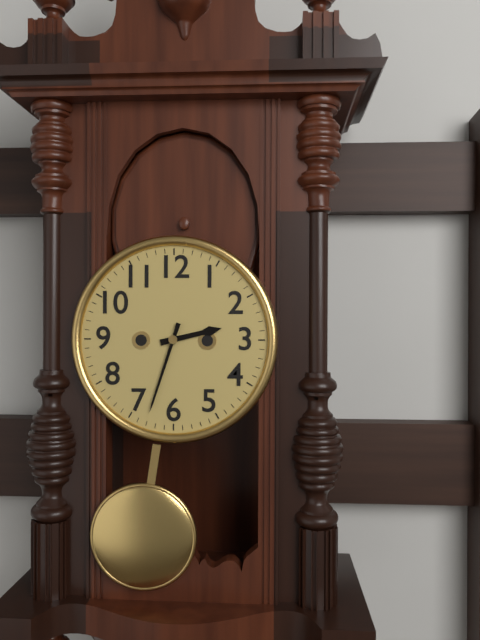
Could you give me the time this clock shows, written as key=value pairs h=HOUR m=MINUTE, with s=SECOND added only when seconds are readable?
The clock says h=2 m=33
